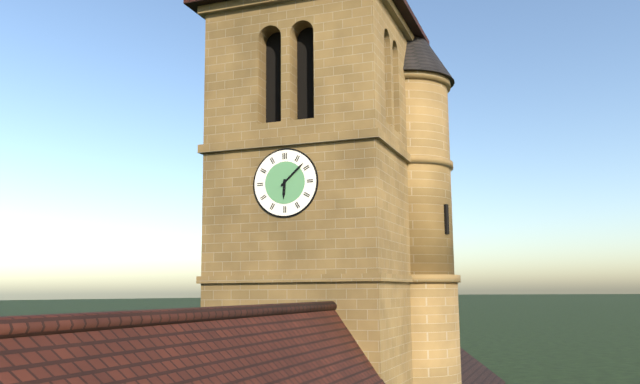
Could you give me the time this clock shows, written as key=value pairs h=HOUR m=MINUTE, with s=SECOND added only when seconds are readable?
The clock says h=6 m=8
